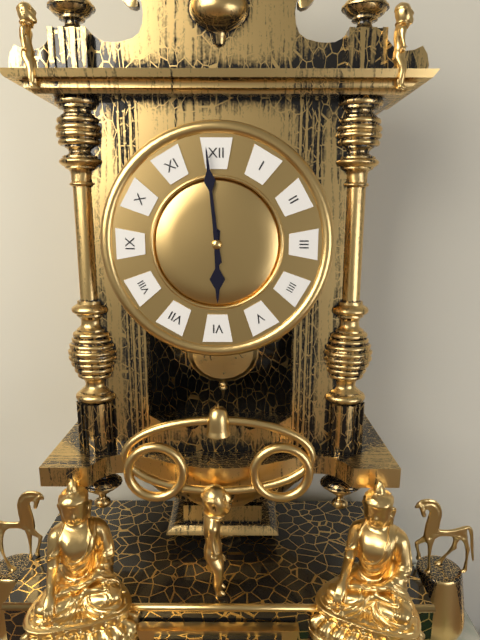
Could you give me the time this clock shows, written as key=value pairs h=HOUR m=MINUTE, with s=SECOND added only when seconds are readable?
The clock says h=5 m=59
